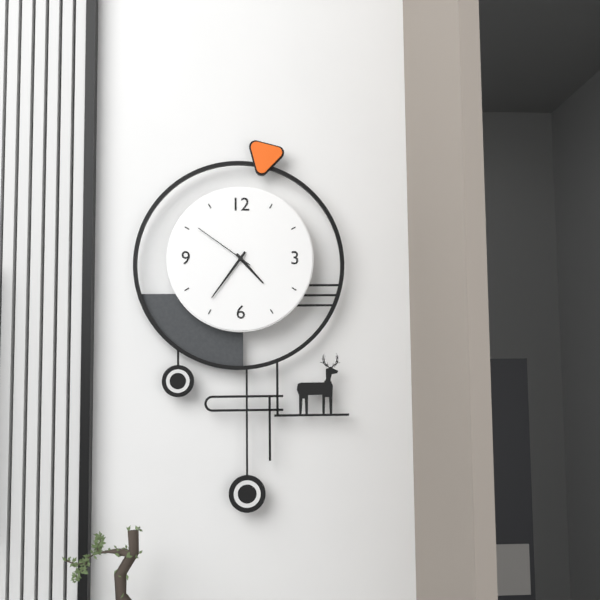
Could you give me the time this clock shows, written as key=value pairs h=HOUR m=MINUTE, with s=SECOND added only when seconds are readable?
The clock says h=4 m=36 s=51
